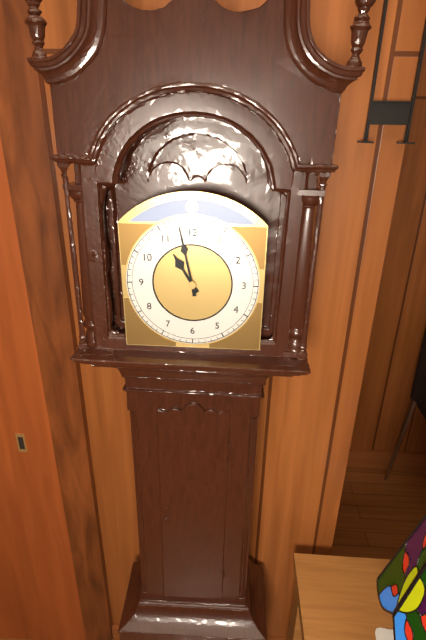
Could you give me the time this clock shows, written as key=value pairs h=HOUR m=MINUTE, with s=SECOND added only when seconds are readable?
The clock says h=10 m=58
